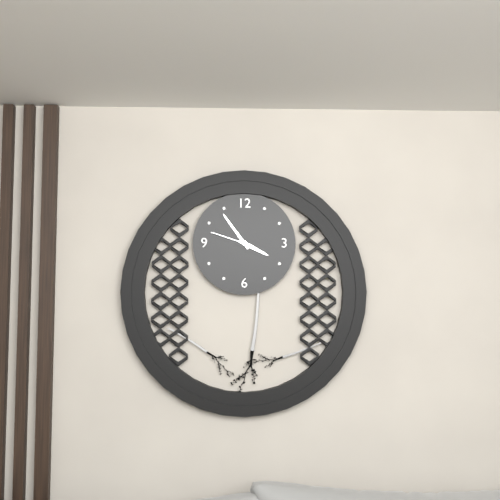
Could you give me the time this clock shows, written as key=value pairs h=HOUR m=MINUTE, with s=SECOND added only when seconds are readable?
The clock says h=3 m=54
